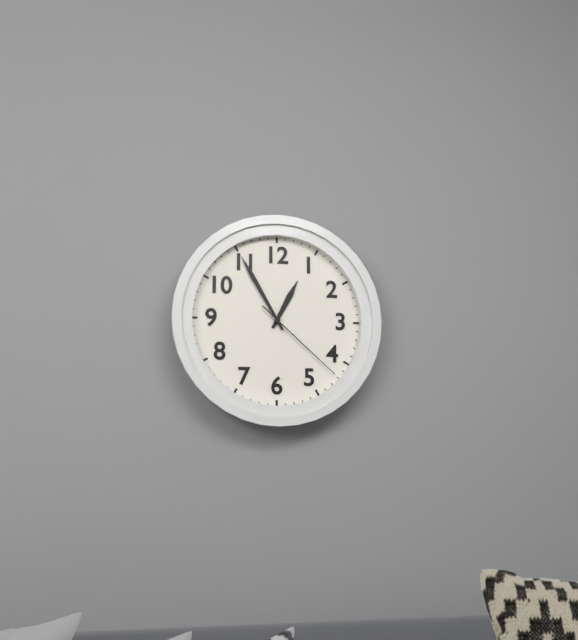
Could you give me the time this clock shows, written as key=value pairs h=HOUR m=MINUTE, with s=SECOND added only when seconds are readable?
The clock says h=12 m=55 s=22
